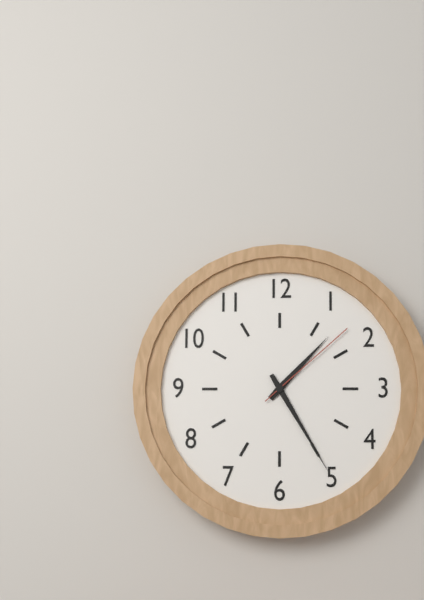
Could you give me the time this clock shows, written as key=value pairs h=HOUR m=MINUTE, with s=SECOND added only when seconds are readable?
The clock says h=1 m=25 s=8
